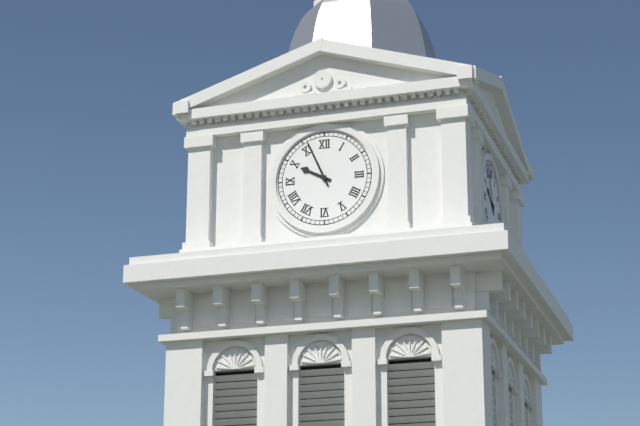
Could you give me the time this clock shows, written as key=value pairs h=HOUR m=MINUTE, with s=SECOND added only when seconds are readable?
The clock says h=9 m=56
